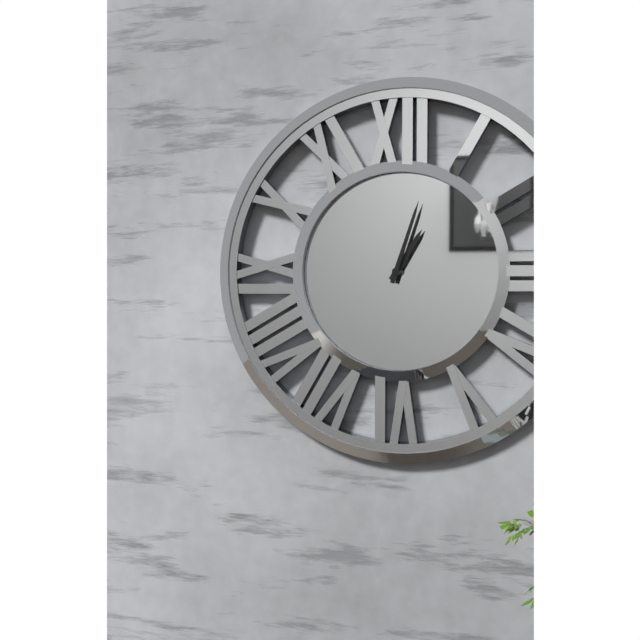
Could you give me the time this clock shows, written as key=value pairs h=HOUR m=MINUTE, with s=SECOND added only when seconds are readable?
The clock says h=1 m=3
